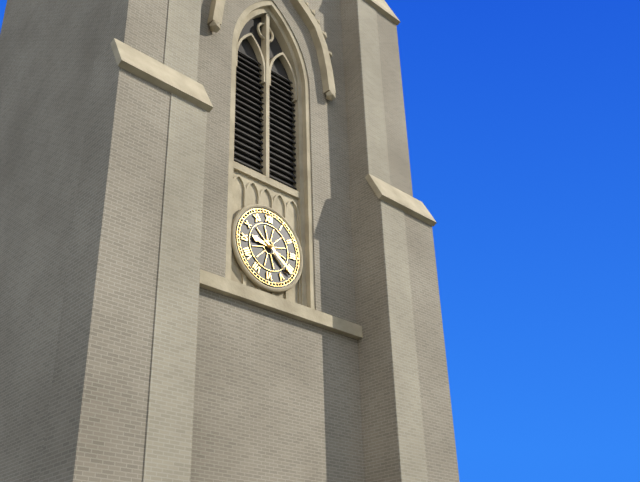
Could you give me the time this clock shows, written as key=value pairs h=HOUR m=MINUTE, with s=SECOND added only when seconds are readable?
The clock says h=9 m=21
